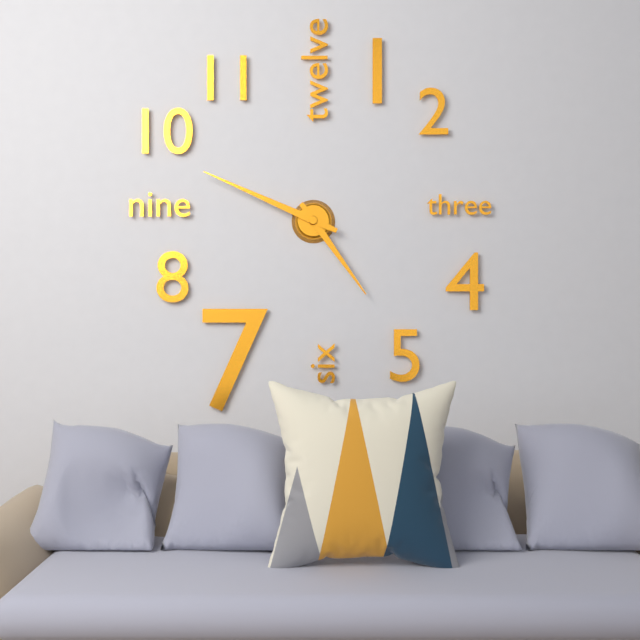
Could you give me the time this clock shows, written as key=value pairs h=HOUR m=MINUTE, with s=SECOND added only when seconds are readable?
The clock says h=4 m=49
